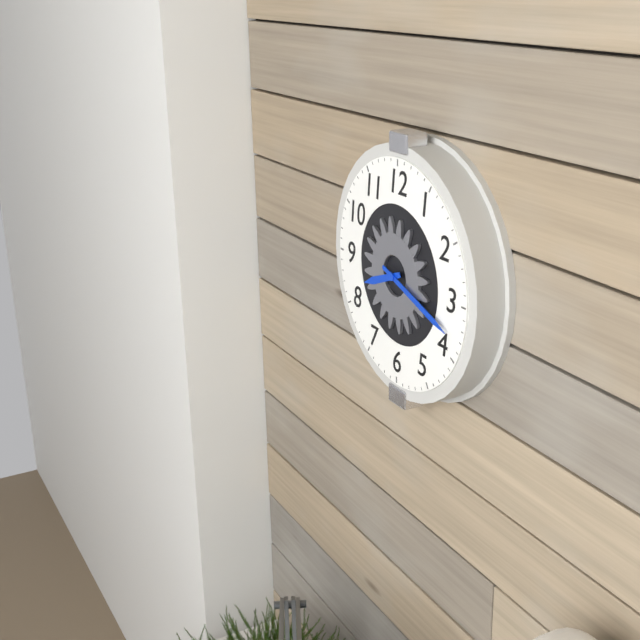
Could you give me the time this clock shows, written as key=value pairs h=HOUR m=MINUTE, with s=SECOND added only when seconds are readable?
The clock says h=8 m=18
